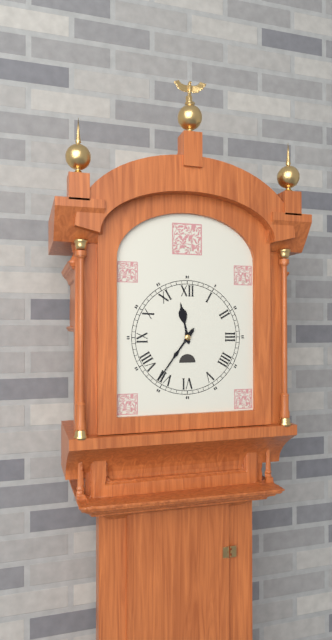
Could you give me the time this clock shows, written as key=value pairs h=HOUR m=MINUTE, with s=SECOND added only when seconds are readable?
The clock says h=11 m=36
